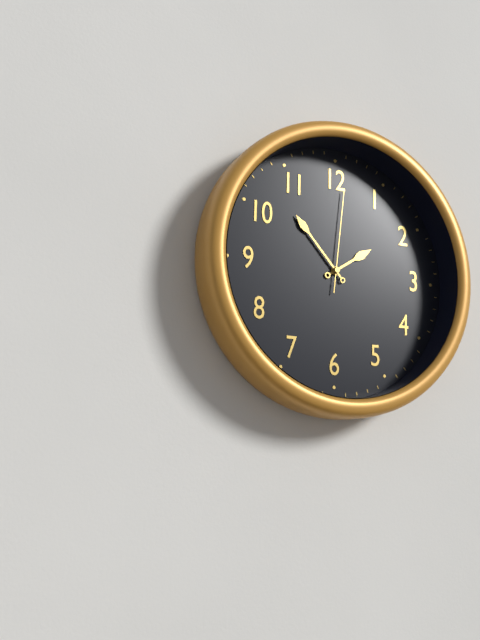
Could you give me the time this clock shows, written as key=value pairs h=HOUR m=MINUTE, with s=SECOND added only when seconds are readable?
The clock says h=1 m=53 s=1
